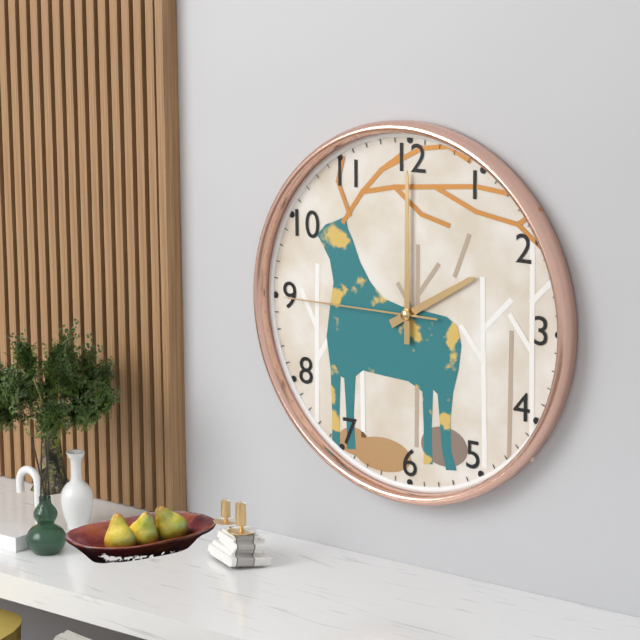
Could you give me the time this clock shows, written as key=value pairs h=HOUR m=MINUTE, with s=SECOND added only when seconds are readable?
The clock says h=2 m=0 s=45
